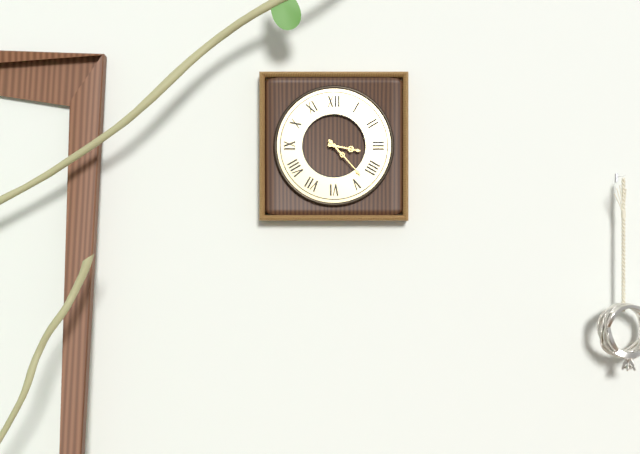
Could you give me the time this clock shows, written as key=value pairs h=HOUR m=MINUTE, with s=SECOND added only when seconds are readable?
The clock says h=3 m=23
